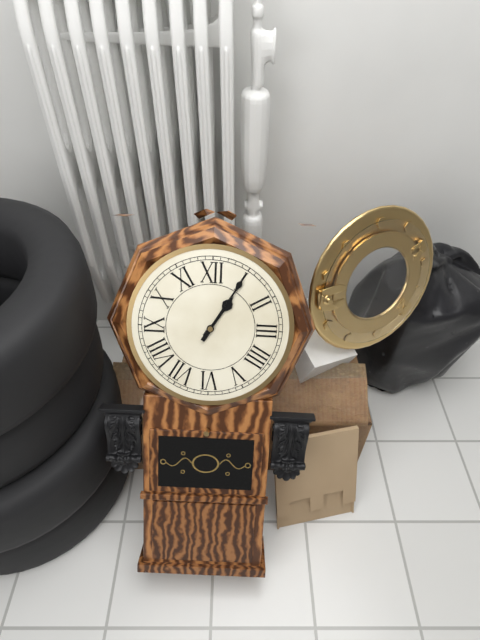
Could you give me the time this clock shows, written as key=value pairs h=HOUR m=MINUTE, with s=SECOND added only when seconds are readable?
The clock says h=1 m=5
